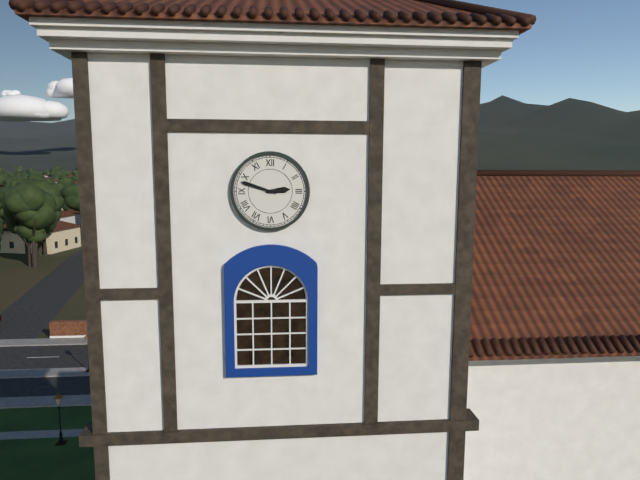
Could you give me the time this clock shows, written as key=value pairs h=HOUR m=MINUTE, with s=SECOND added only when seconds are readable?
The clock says h=2 m=48
